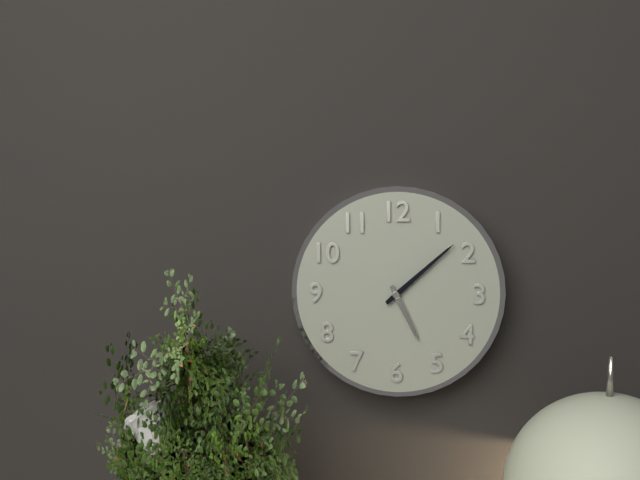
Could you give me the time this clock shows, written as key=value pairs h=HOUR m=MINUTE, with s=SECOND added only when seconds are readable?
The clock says h=5 m=8
